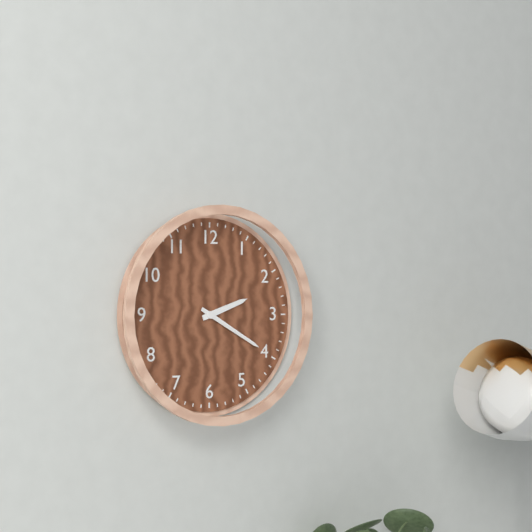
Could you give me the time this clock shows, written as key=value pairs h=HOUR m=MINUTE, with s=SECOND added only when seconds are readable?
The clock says h=2 m=20
